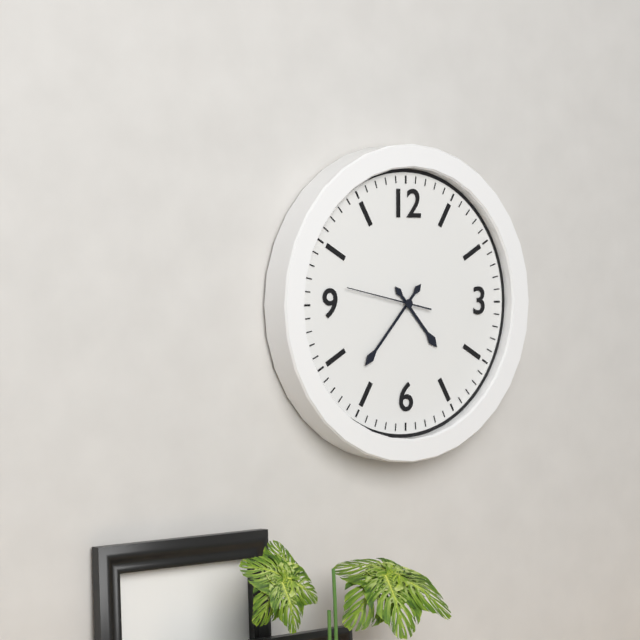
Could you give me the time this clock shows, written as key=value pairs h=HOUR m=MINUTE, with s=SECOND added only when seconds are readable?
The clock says h=4 m=37 s=47
